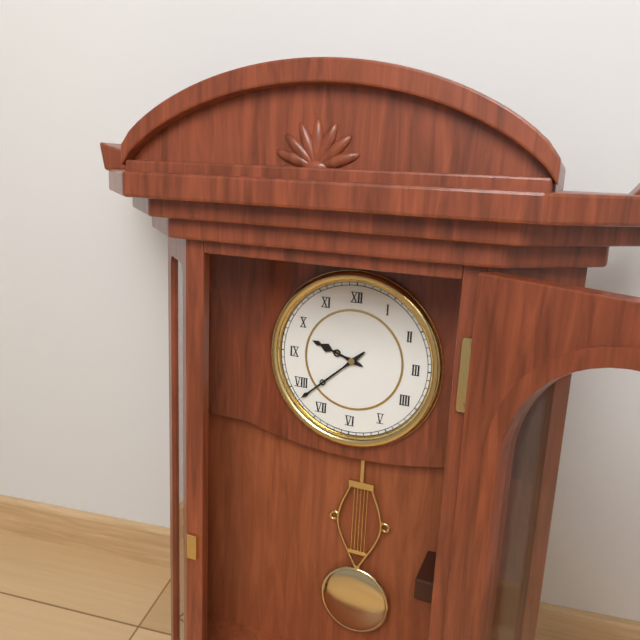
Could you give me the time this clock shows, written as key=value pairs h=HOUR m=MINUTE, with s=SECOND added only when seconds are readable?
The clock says h=9 m=38
